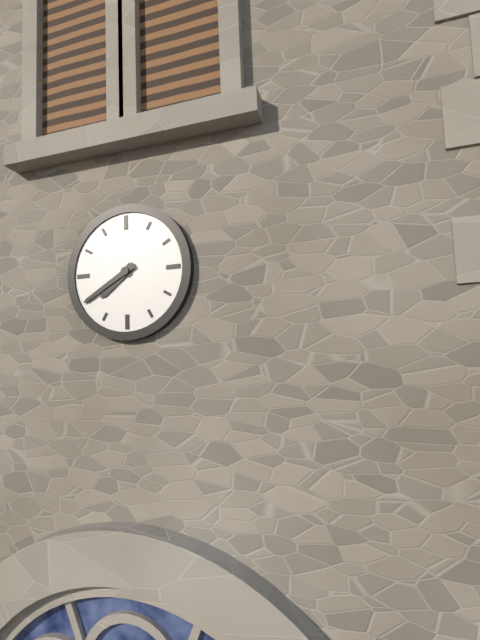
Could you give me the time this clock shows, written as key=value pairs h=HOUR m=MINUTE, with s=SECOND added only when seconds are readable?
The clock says h=7 m=40
